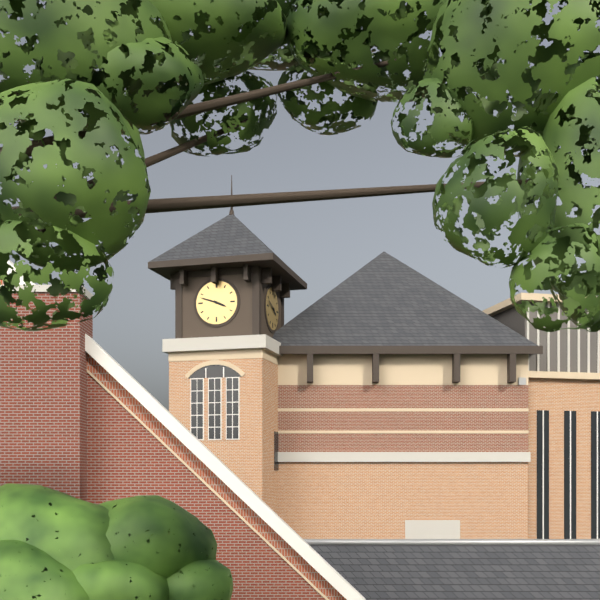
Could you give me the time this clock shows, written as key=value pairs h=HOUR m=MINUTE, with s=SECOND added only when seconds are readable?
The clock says h=3 m=48
